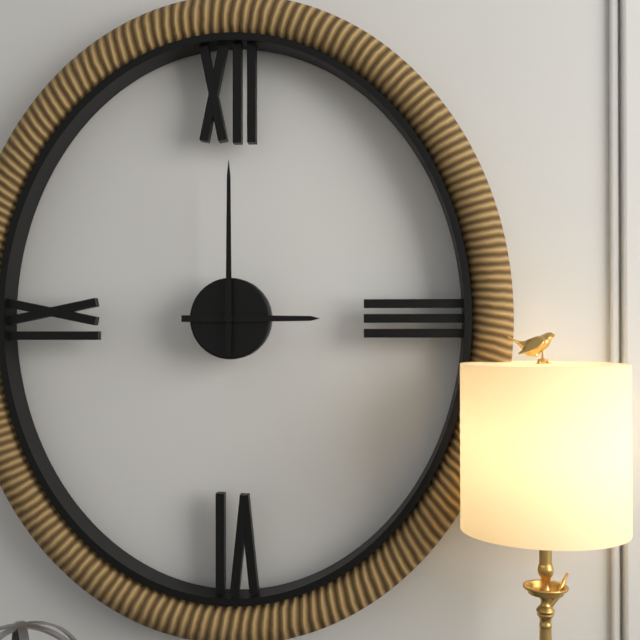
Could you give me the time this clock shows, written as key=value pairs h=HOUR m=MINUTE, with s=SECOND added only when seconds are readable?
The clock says h=3 m=0
